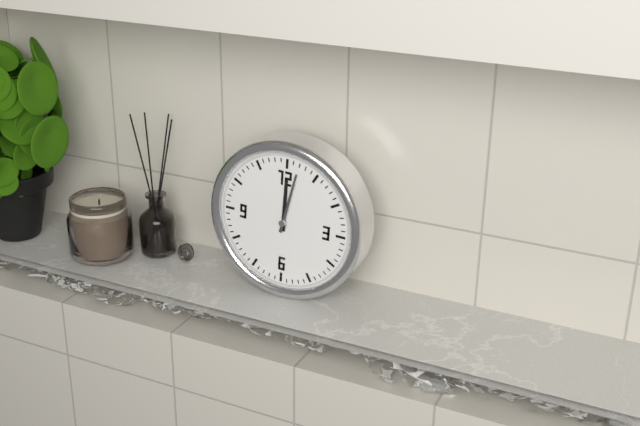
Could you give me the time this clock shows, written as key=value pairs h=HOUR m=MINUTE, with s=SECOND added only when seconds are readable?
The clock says h=12 m=2
